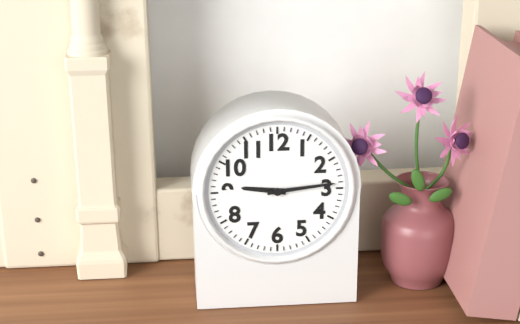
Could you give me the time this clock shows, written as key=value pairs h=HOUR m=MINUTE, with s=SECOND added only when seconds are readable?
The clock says h=9 m=14
